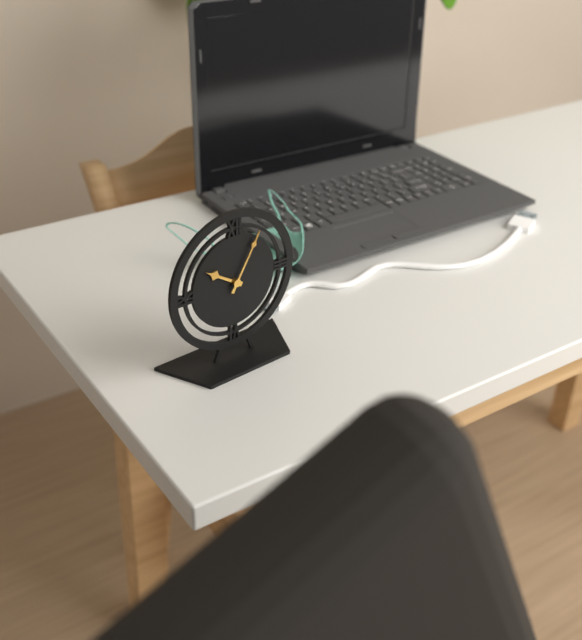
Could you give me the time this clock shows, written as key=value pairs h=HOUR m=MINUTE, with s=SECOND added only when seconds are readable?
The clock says h=10 m=5
